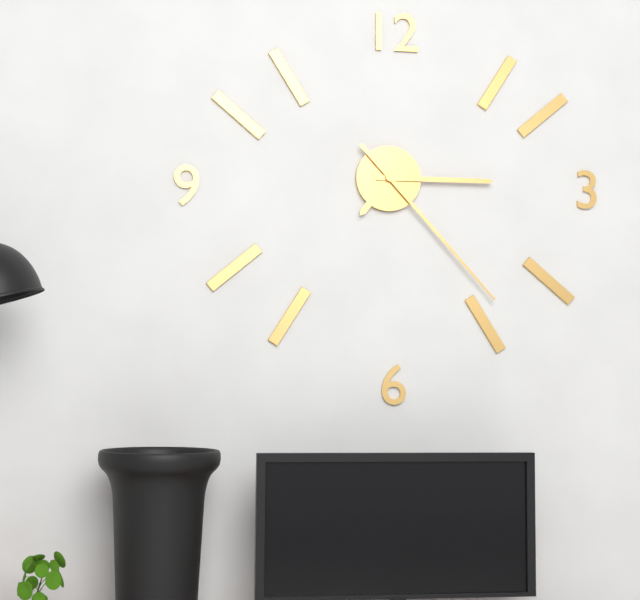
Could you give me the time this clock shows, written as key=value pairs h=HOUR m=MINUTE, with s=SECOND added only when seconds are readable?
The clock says h=7 m=15 s=23
